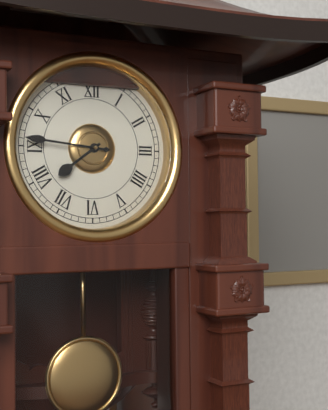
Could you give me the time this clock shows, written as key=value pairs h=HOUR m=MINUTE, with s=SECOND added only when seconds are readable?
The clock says h=7 m=46
